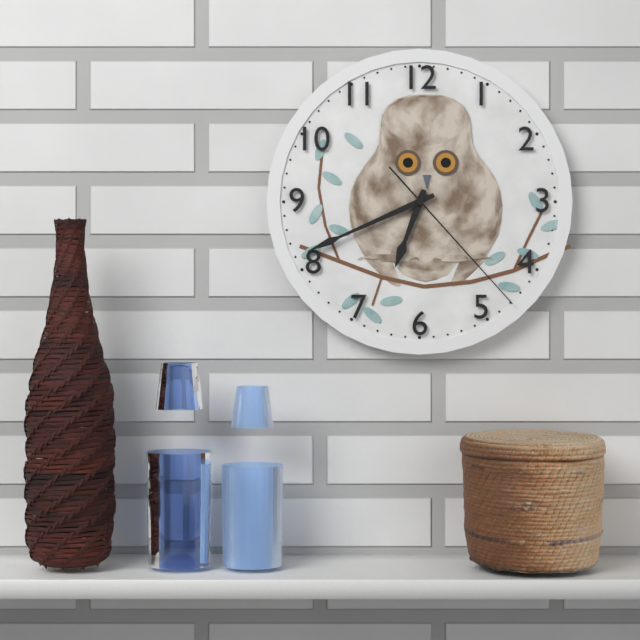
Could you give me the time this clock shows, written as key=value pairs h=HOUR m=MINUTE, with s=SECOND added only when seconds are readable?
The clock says h=6 m=41 s=23
